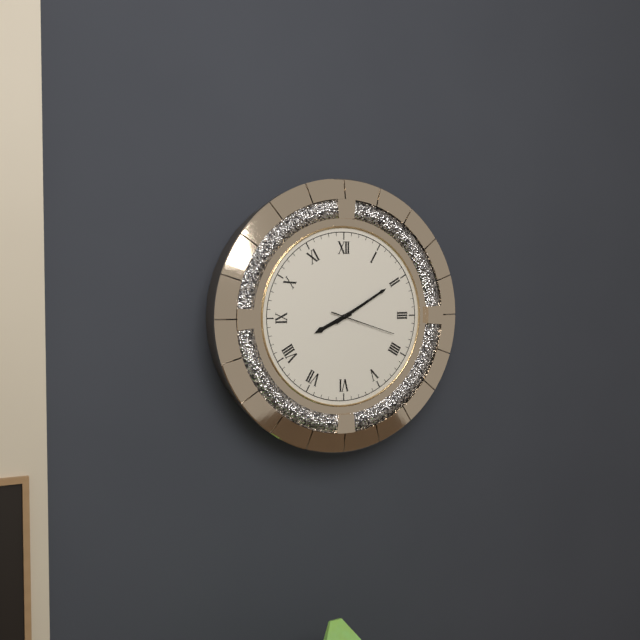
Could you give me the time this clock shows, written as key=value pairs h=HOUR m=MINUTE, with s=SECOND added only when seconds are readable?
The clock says h=8 m=10 s=18
